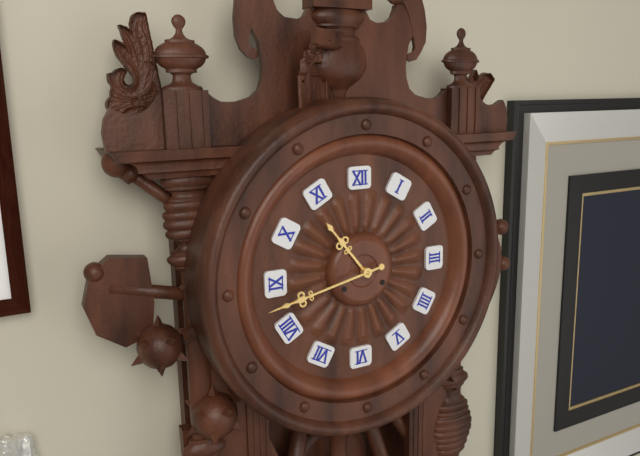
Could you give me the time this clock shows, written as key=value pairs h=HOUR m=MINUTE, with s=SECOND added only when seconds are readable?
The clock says h=10 m=43
